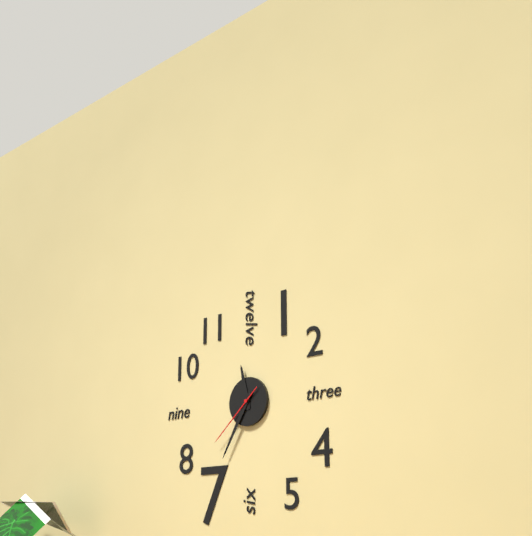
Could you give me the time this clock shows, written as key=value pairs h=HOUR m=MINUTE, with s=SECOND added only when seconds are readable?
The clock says h=11 m=35 s=38
